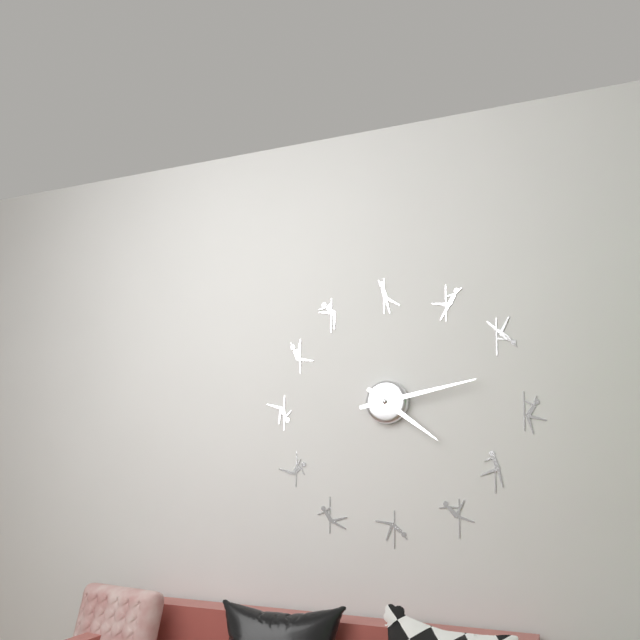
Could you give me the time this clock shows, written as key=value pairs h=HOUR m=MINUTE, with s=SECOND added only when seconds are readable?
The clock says h=4 m=13
